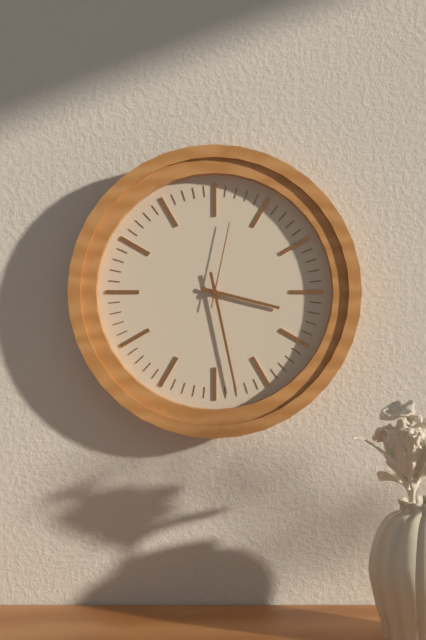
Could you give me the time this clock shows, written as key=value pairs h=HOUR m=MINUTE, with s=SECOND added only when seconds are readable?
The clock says h=3 m=28 s=2
